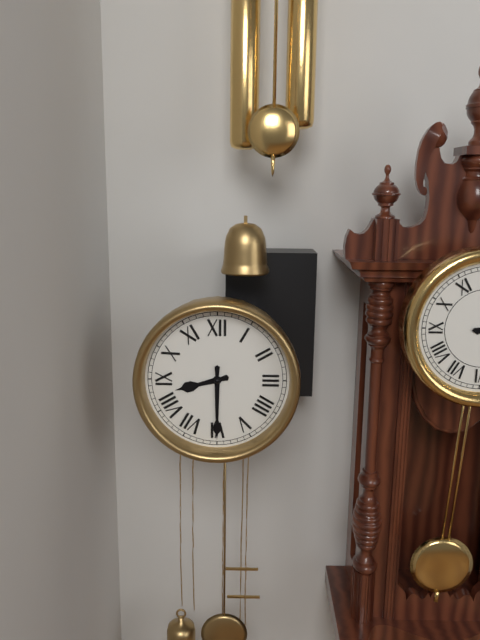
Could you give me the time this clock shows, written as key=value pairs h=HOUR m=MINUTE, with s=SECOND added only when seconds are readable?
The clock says h=8 m=30
